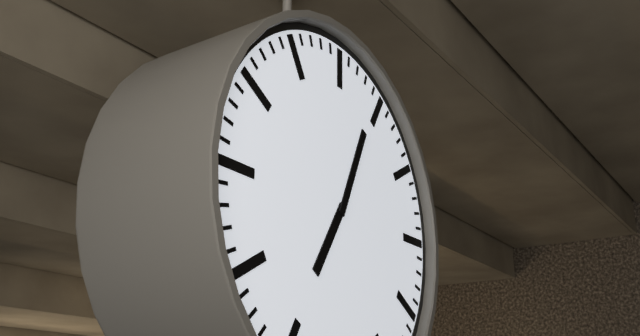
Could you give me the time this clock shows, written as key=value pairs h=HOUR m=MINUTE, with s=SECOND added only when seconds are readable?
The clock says h=7 m=4
